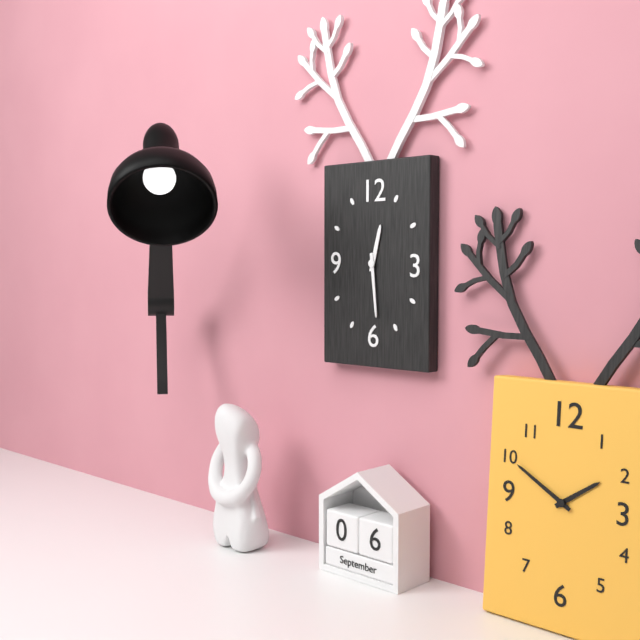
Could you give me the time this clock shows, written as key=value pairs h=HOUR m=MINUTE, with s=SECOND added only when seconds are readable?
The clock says h=12 m=29
